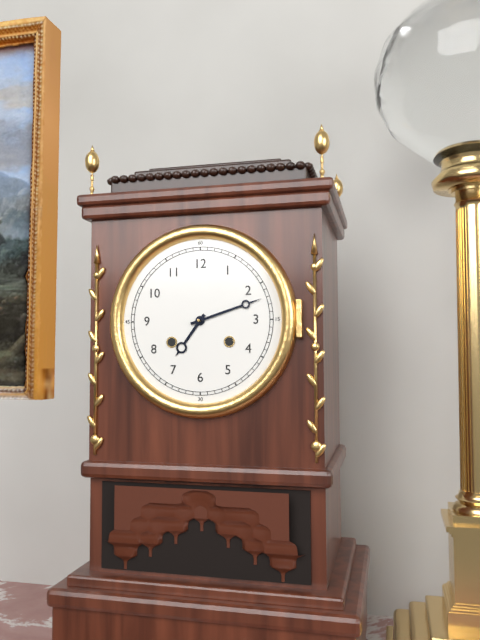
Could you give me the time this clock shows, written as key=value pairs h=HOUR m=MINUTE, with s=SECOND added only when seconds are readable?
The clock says h=7 m=12
